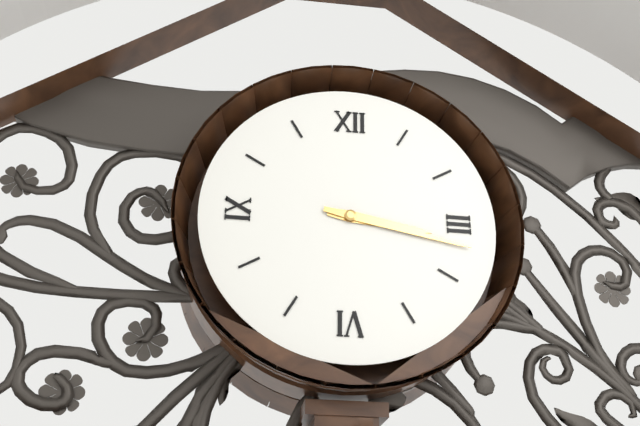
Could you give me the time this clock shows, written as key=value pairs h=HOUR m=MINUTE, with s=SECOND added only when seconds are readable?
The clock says h=3 m=17
